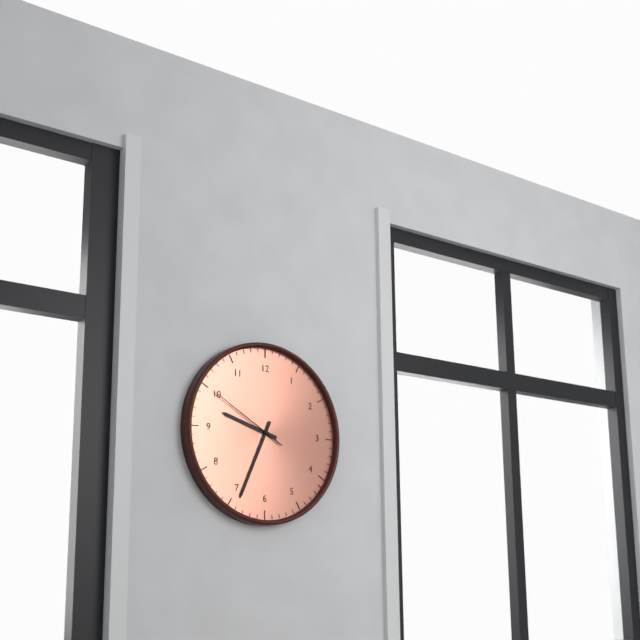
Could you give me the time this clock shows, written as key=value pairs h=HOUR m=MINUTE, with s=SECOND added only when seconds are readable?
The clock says h=9 m=34 s=50
